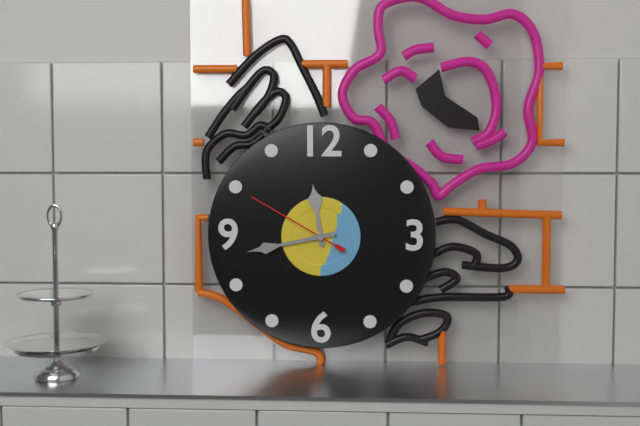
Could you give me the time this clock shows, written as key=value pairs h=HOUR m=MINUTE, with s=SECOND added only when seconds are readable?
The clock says h=11 m=43 s=50
